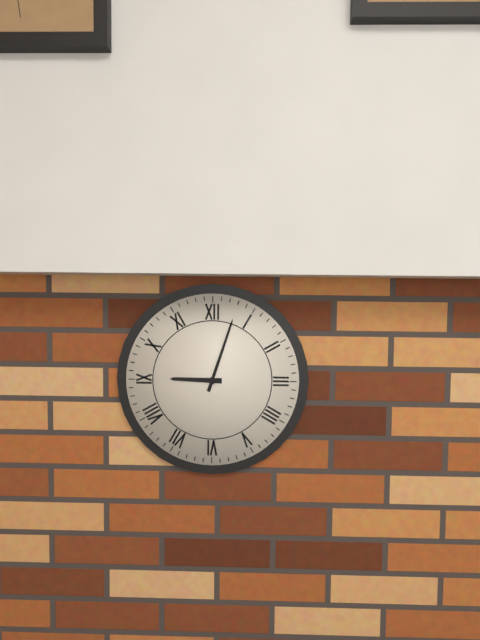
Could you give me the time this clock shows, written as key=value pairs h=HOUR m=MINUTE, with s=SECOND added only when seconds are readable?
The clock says h=9 m=3
